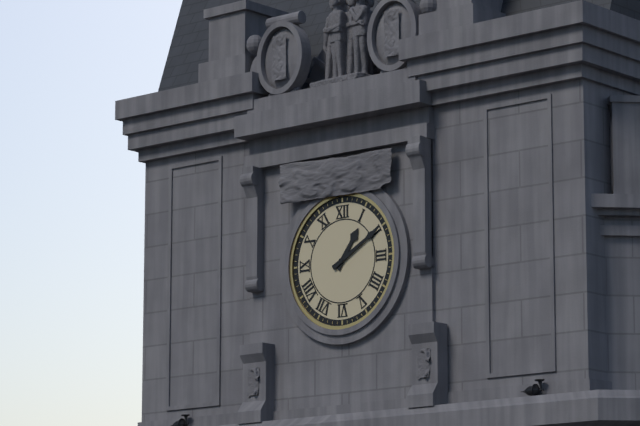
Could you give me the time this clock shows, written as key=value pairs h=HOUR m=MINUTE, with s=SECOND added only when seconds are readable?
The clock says h=1 m=10
